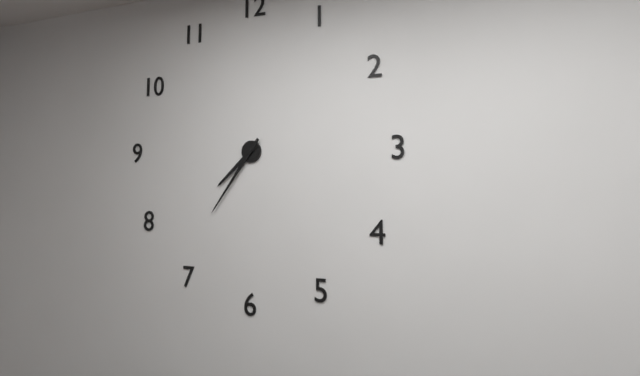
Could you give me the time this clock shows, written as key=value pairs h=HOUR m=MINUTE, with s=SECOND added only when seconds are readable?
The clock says h=7 m=36
